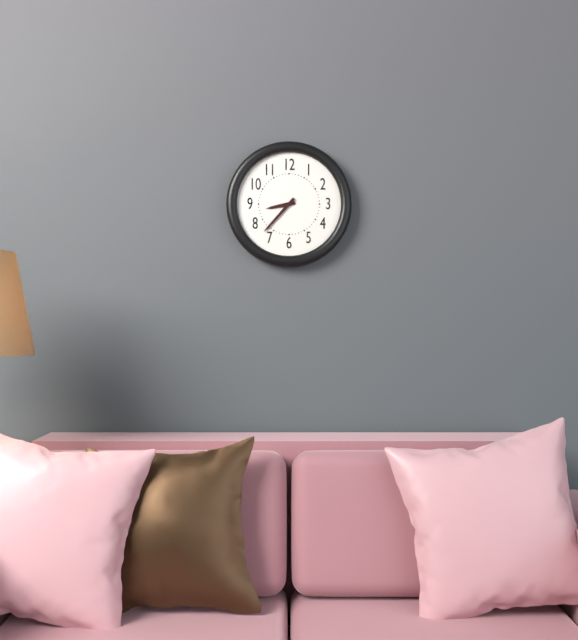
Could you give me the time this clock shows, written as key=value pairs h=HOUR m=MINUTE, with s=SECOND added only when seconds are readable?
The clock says h=8 m=37
